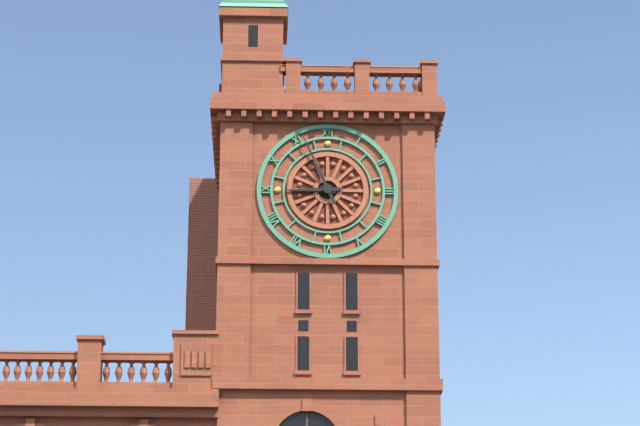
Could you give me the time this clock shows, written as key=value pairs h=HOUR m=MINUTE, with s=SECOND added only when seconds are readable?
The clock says h=8 m=56
